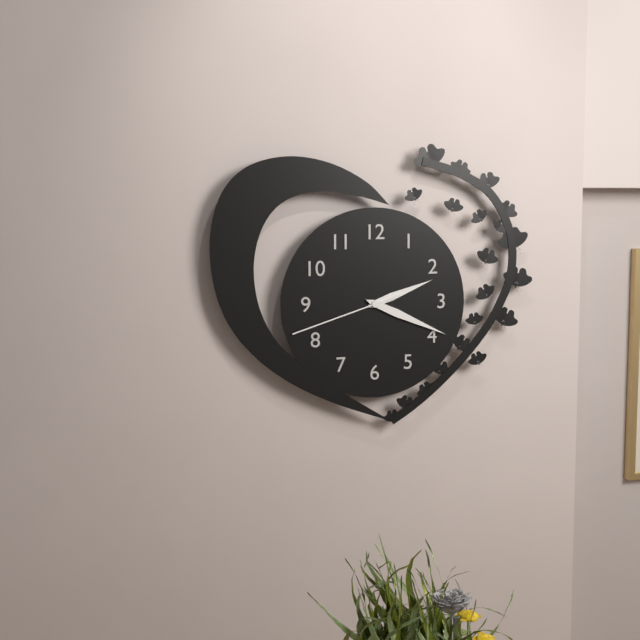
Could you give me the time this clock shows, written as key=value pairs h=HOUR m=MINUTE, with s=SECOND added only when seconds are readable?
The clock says h=2 m=19 s=42
